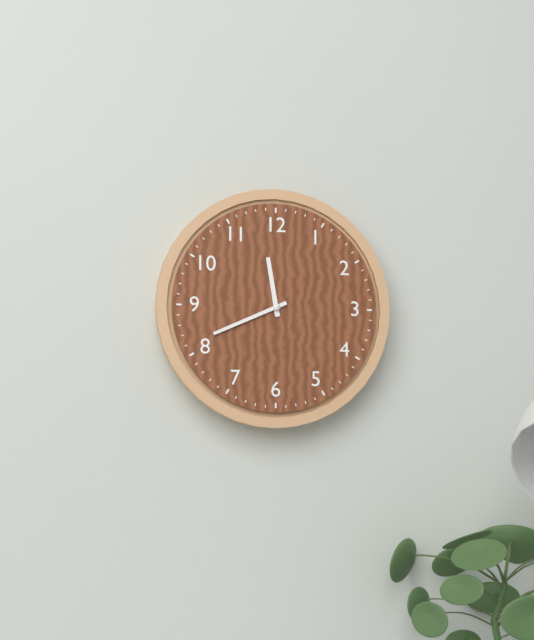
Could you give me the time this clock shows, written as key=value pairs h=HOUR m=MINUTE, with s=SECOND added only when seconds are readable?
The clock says h=11 m=41
